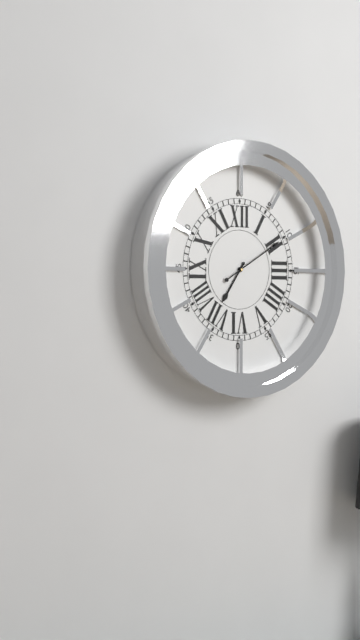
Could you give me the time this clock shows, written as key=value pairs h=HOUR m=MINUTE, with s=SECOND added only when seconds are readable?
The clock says h=7 m=10
